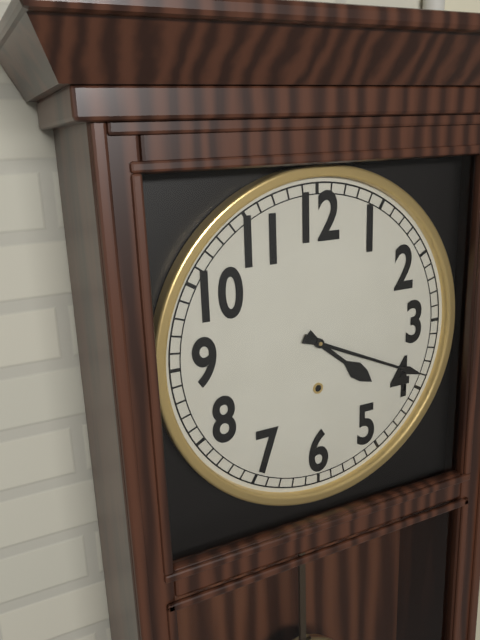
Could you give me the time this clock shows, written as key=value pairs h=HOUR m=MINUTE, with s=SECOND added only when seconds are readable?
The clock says h=4 m=19
